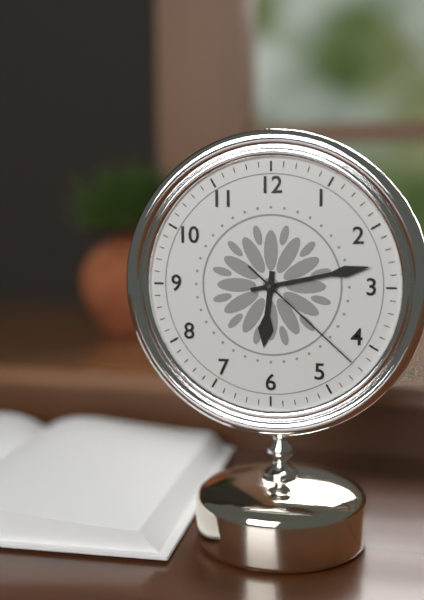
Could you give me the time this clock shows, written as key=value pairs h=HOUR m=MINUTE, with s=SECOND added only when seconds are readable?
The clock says h=6 m=13 s=22
